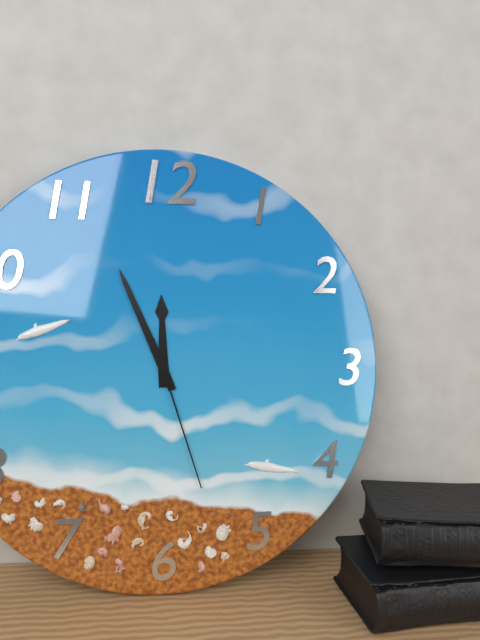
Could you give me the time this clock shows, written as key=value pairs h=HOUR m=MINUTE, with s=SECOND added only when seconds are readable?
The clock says h=11 m=56 s=27
